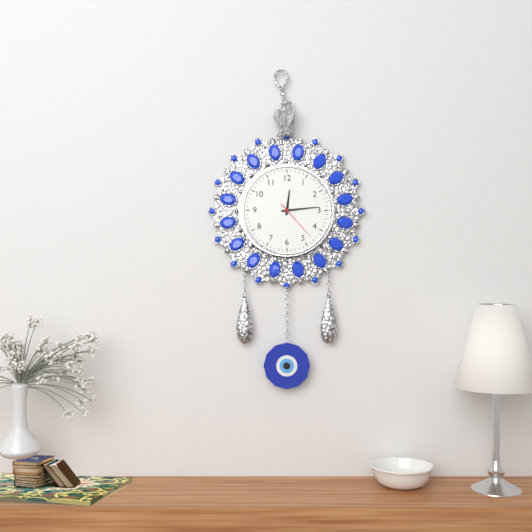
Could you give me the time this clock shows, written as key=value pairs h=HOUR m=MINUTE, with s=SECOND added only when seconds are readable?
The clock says h=12 m=14
